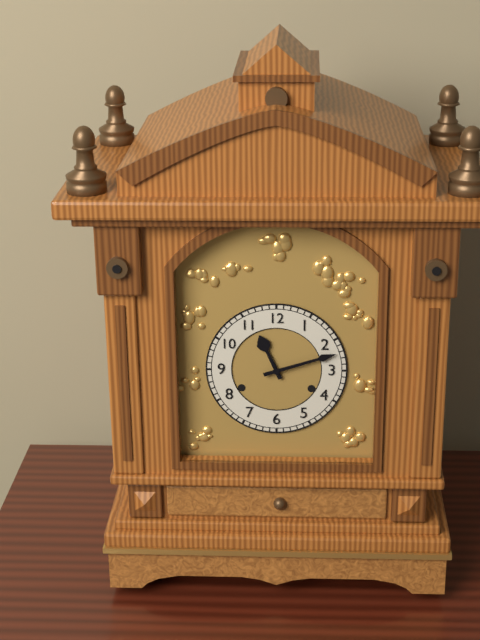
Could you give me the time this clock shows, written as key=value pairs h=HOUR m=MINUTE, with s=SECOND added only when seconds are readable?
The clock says h=11 m=12
